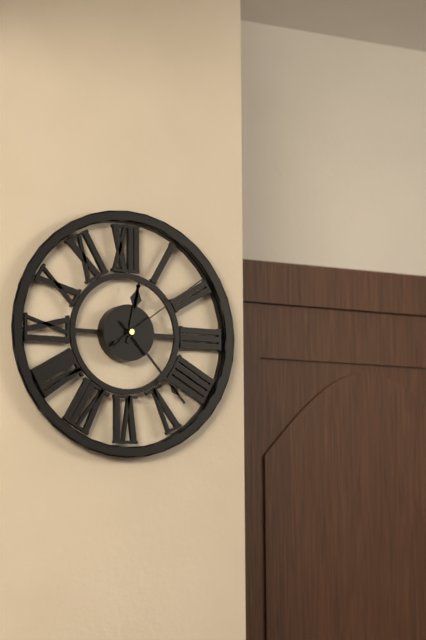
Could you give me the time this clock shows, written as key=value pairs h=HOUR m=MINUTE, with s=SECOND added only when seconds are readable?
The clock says h=12 m=23 s=9
